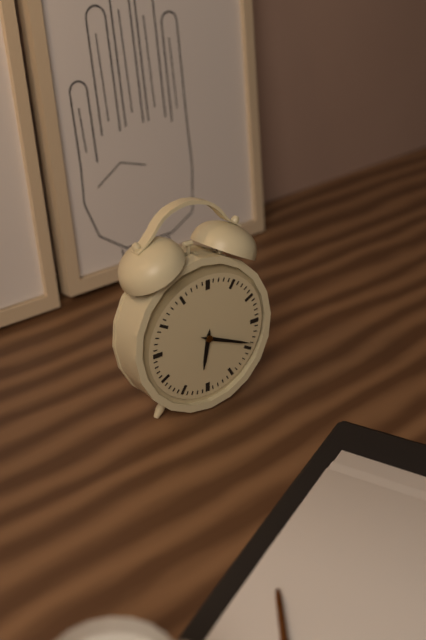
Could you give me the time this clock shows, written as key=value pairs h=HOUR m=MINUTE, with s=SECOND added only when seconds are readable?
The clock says h=6 m=19
